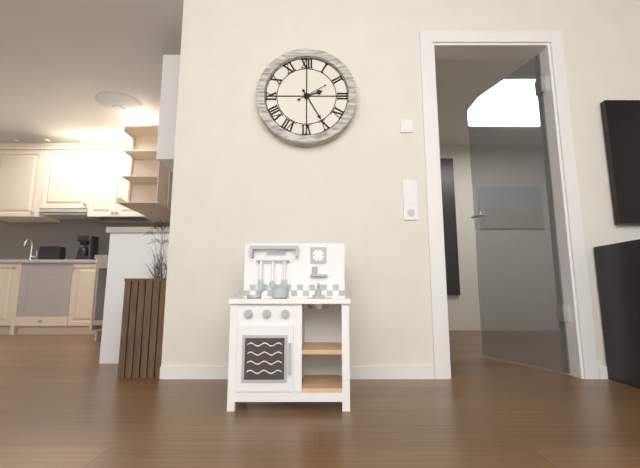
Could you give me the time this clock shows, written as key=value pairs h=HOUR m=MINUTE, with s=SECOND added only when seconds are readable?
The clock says h=2 m=25
